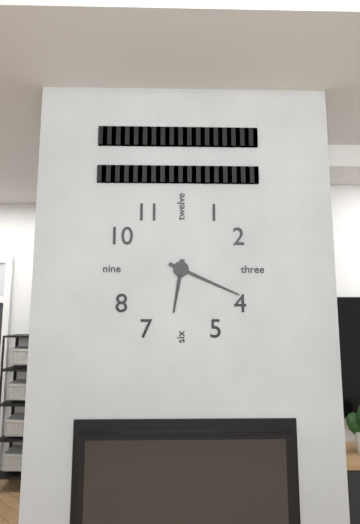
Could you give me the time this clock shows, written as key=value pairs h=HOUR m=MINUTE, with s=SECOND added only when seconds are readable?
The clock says h=6 m=19
